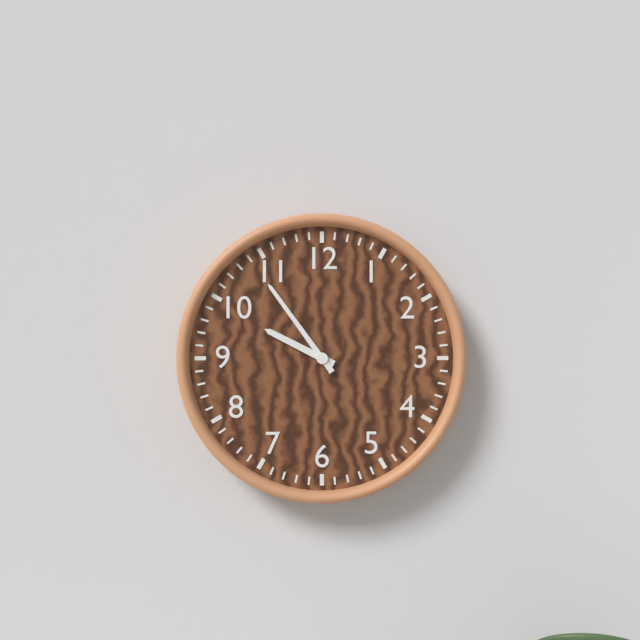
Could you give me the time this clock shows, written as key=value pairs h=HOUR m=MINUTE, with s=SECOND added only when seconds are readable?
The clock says h=9 m=54
